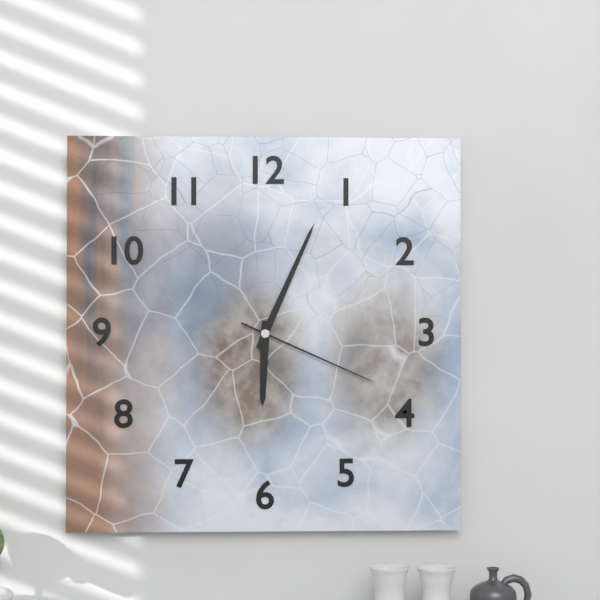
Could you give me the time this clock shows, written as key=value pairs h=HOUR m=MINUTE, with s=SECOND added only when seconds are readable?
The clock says h=6 m=4 s=19
